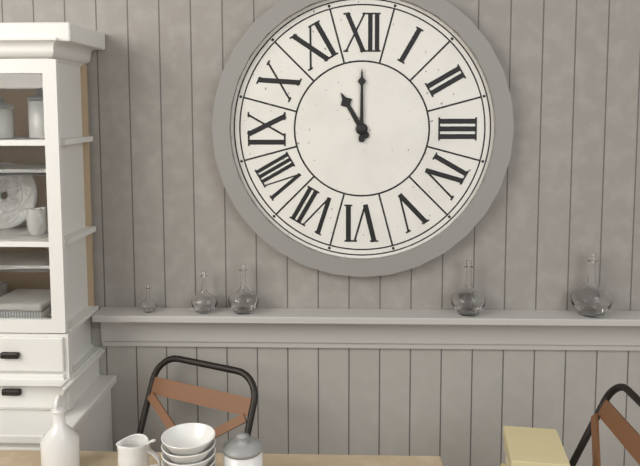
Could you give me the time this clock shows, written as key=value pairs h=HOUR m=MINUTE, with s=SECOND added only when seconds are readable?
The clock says h=11 m=0
